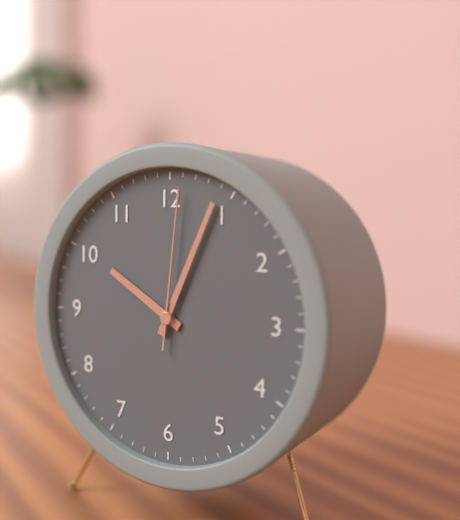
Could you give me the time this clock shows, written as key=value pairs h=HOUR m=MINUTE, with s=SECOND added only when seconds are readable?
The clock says h=10 m=4 s=1
